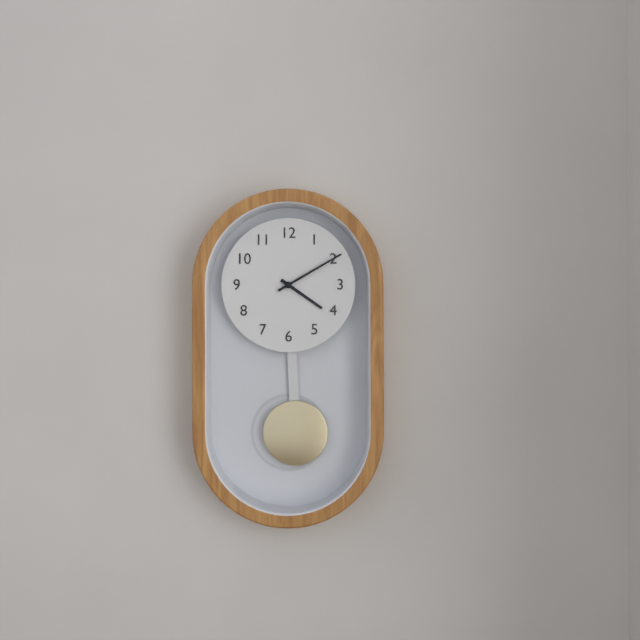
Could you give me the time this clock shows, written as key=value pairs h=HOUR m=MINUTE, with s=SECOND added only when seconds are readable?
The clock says h=4 m=10
